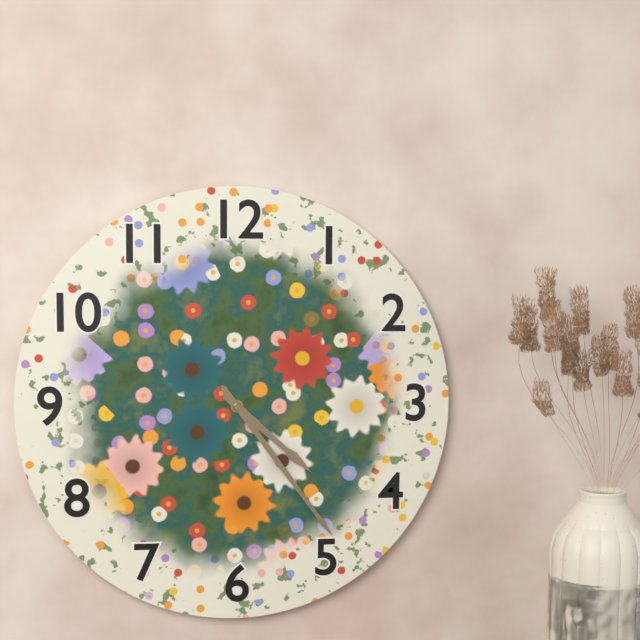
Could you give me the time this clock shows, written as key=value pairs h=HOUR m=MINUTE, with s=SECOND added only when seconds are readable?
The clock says h=4 m=24
